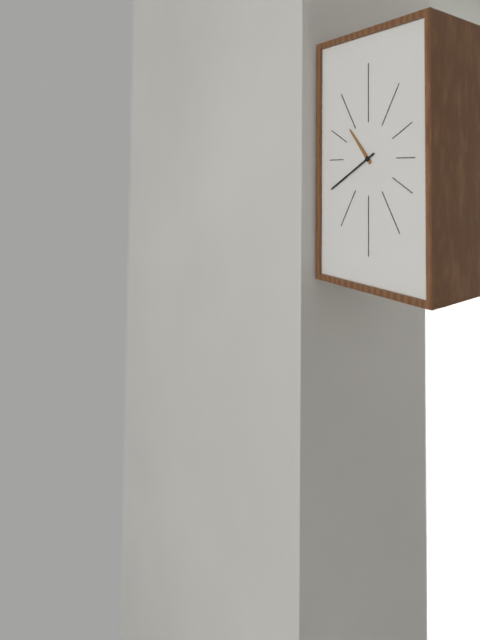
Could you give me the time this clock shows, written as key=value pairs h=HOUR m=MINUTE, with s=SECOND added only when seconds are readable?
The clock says h=10 m=40
